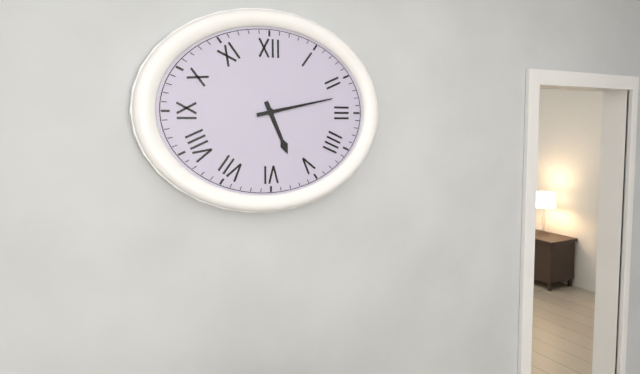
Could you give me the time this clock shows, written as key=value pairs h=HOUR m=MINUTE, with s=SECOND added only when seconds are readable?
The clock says h=5 m=13
